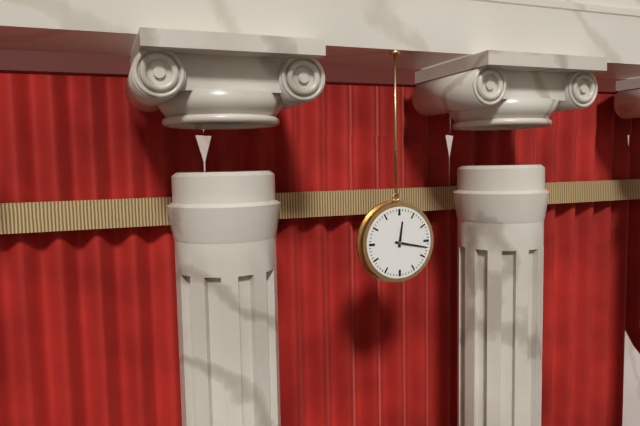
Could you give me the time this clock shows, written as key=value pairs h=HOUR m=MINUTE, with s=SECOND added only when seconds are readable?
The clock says h=12 m=17
